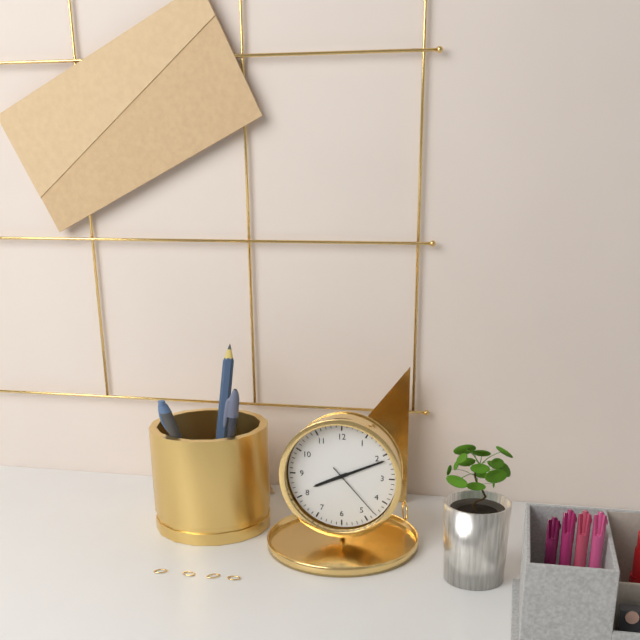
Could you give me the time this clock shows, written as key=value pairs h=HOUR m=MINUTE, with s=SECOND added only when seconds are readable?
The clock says h=8 m=11 s=23
